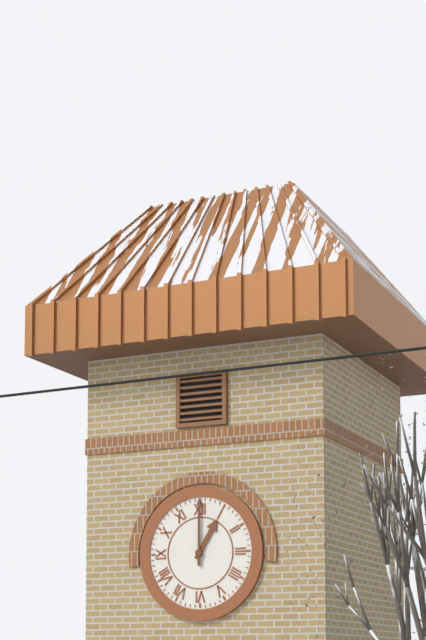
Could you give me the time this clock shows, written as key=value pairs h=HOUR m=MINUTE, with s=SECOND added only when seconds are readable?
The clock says h=1 m=0
